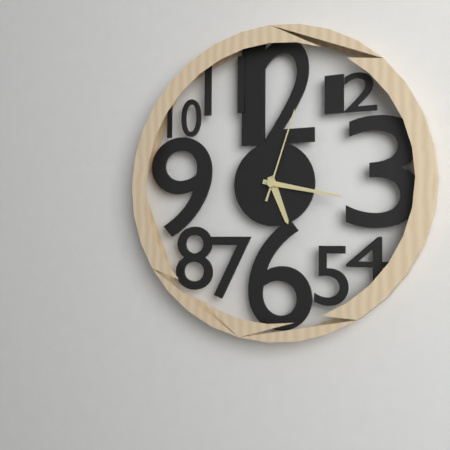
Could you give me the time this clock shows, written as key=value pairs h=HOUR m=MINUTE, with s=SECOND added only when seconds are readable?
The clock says h=5 m=17 s=3
